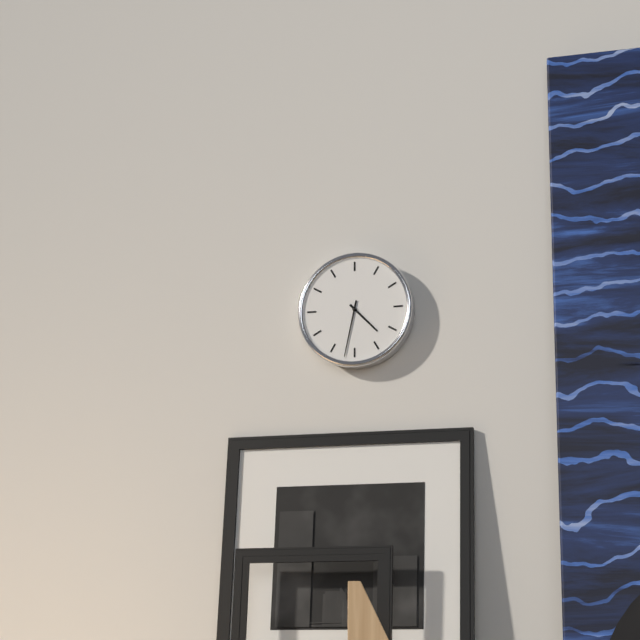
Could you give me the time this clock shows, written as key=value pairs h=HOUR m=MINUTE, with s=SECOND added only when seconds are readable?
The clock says h=4 m=32
